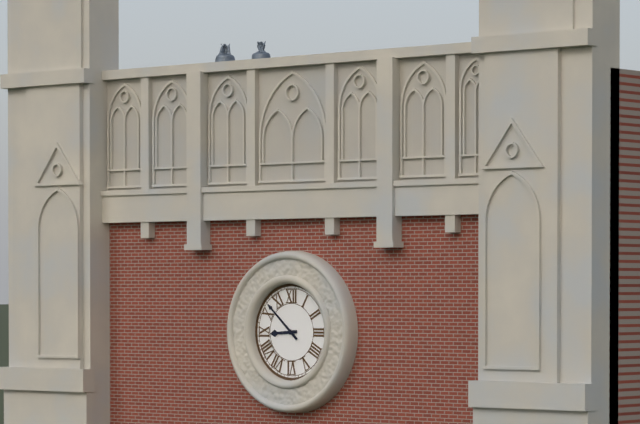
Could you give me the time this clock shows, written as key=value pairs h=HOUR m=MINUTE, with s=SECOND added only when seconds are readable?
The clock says h=8 m=52
